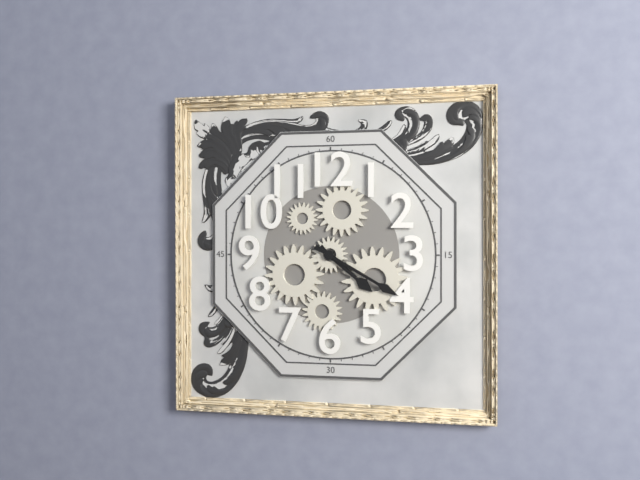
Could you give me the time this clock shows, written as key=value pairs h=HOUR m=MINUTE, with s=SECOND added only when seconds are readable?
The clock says h=4 m=20
